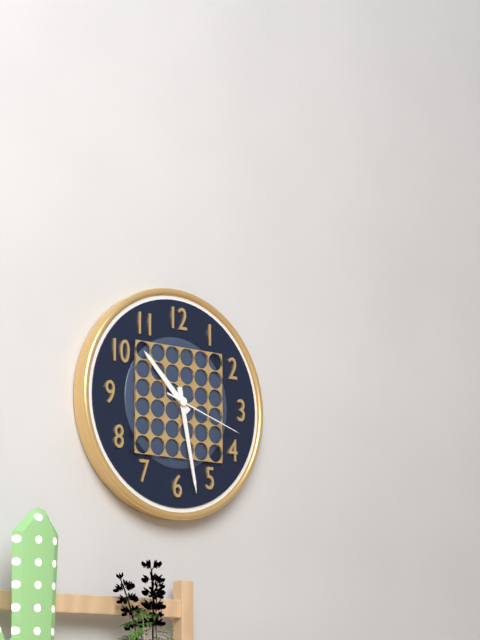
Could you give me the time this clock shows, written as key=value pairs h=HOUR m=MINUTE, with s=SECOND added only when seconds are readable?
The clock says h=10 m=28 s=18
